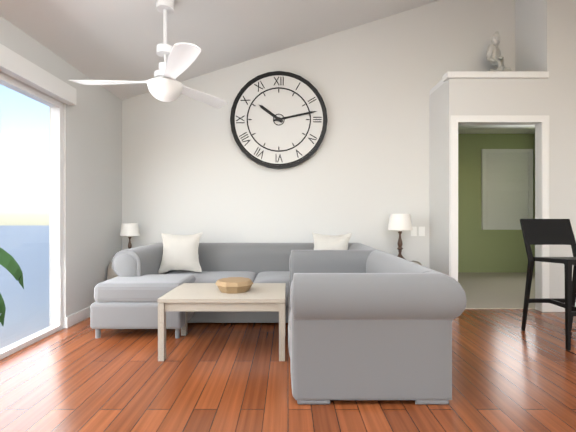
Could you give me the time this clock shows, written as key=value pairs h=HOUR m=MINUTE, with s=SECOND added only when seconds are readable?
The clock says h=10 m=13
